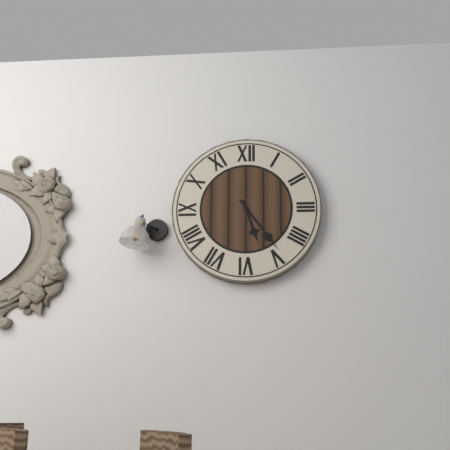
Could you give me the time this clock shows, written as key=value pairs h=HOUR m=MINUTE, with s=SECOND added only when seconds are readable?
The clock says h=5 m=24
